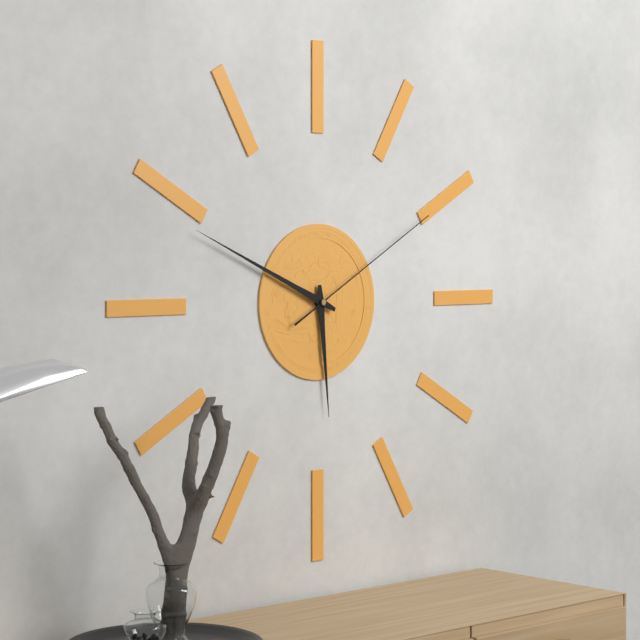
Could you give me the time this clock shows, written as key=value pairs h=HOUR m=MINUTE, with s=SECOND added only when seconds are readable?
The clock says h=5 m=49 s=10
